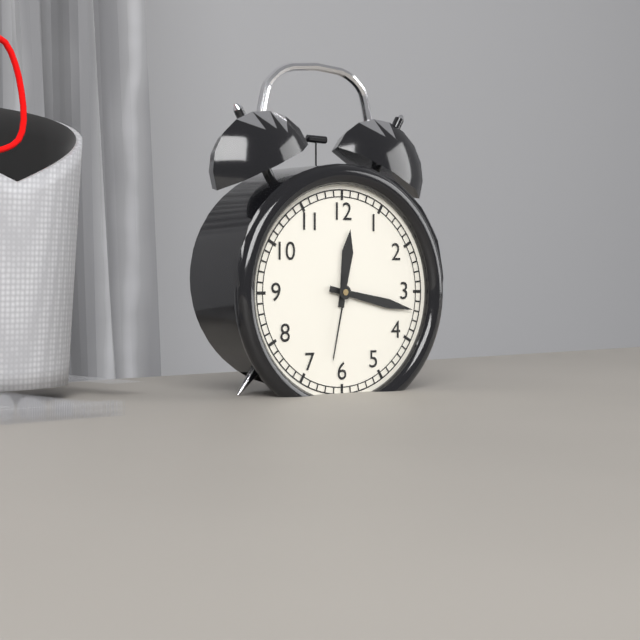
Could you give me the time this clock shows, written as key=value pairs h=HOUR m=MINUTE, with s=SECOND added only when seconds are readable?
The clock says h=12 m=17 s=32
